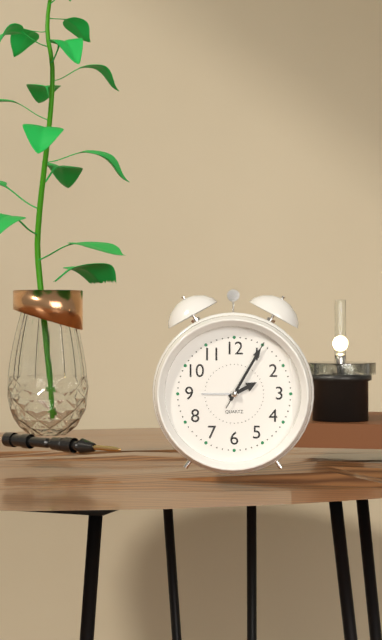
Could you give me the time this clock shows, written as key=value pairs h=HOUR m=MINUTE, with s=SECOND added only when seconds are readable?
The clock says h=2 m=5 s=5
